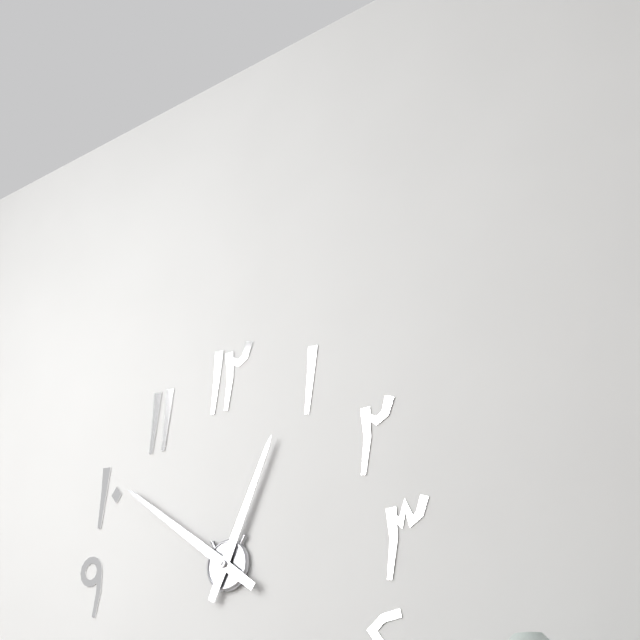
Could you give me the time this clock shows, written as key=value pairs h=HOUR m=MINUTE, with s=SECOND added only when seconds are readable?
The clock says h=12 m=51
